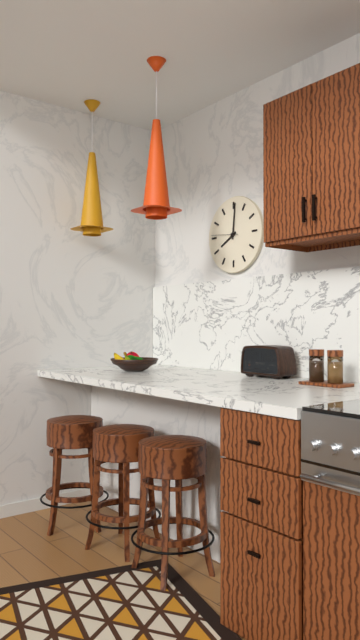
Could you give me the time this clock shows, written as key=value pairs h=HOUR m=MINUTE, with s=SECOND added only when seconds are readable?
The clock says h=8 m=1
